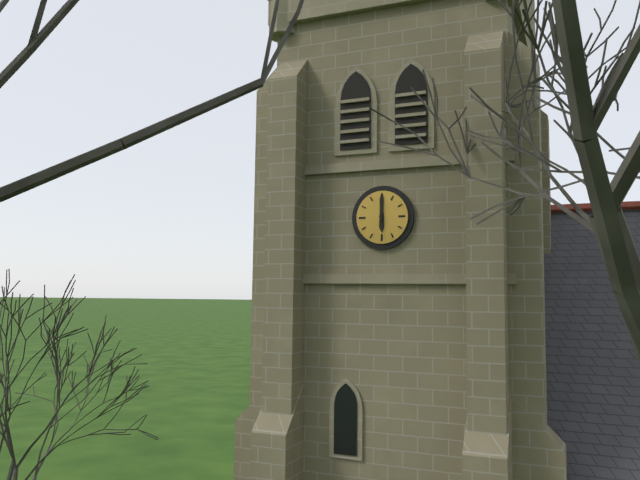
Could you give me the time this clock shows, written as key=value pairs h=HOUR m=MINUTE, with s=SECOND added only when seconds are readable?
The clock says h=6 m=0
